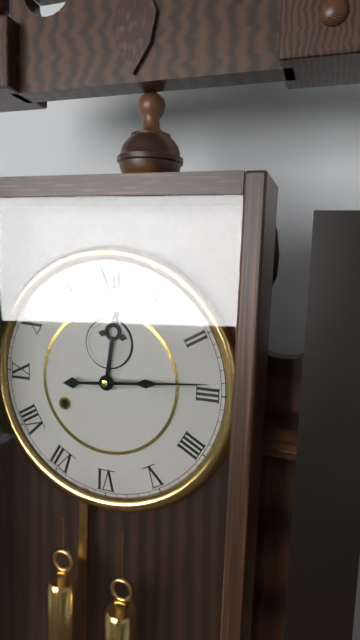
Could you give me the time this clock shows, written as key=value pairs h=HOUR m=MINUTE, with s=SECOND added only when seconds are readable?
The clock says h=12 m=14
